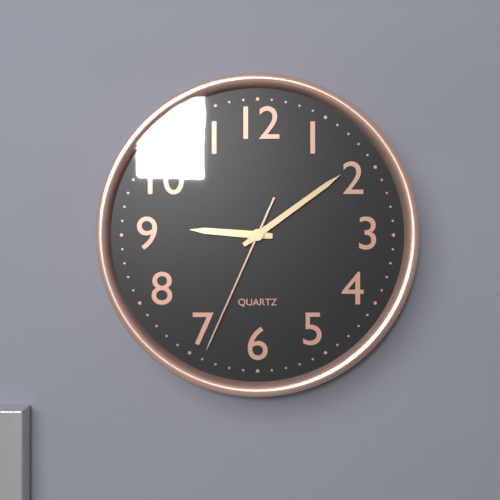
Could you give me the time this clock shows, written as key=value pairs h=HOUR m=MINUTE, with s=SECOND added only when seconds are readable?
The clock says h=9 m=9 s=34
